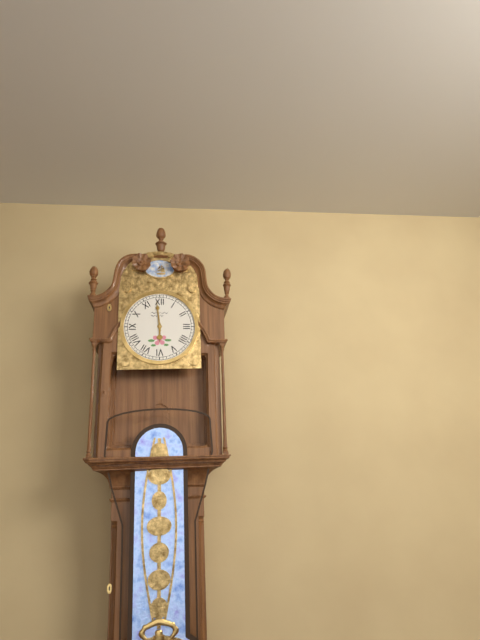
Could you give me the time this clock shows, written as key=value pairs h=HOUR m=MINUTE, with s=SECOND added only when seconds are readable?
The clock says h=5 m=59
